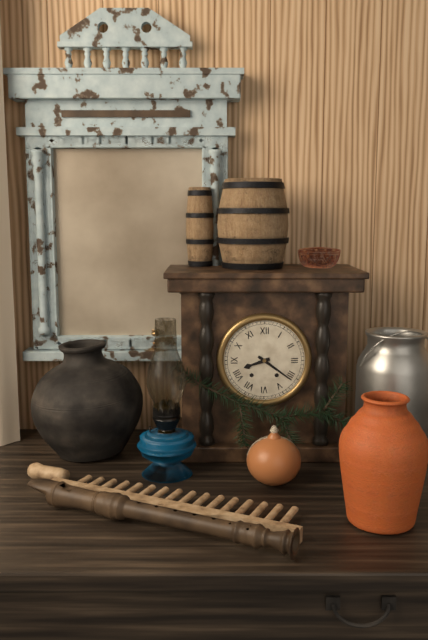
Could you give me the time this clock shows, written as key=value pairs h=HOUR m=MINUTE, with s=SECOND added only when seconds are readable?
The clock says h=8 m=21
